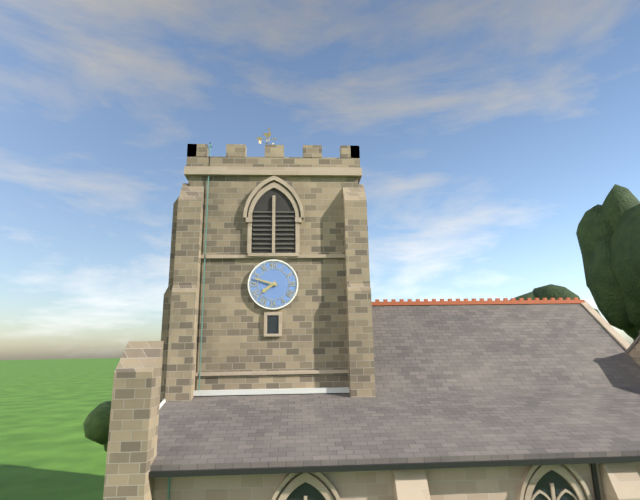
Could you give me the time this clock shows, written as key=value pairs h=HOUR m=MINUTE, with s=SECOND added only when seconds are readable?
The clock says h=7 m=48
